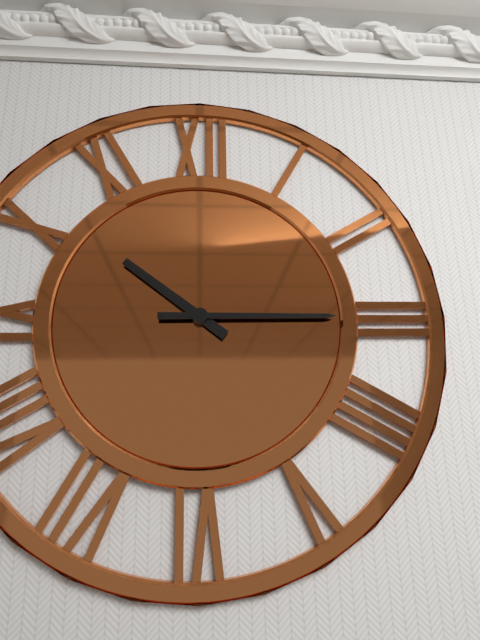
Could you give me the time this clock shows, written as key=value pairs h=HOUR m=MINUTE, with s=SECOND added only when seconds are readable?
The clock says h=10 m=15
